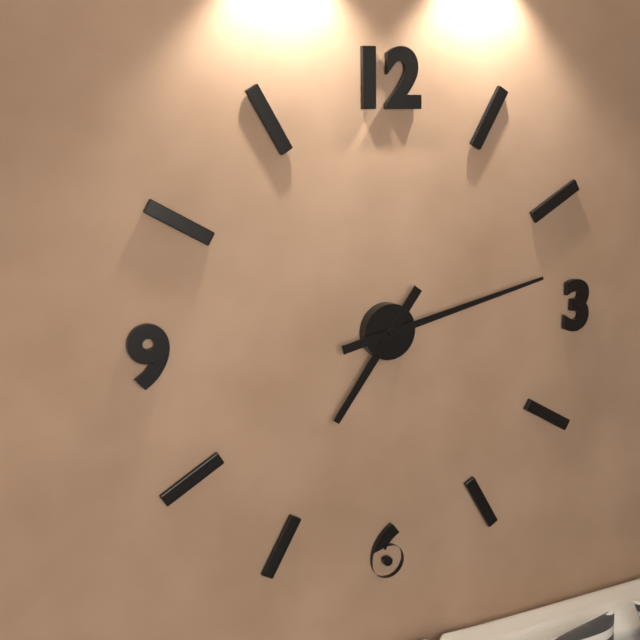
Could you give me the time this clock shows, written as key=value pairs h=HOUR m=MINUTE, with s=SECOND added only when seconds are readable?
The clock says h=7 m=13
